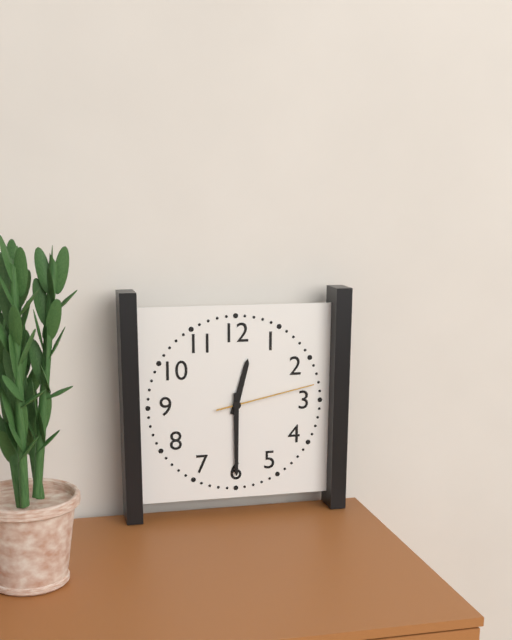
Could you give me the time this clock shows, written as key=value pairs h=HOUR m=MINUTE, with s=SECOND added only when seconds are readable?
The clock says h=12 m=30 s=13
